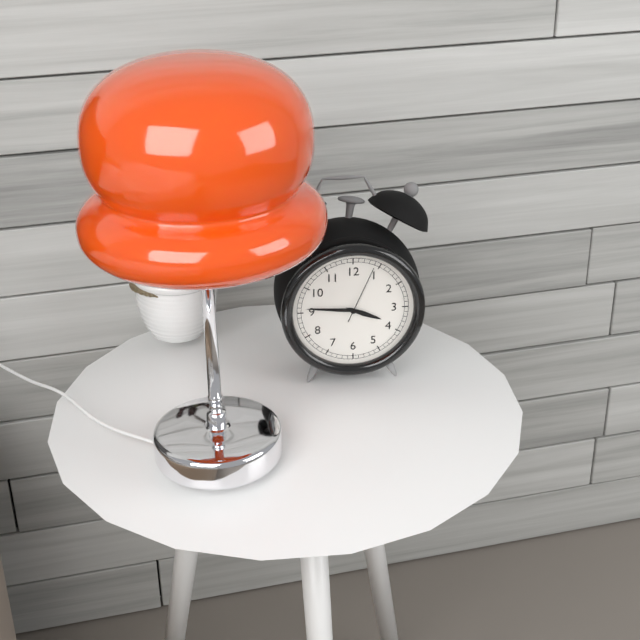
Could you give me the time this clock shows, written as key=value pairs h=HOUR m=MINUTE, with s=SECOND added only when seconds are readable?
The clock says h=3 m=46 s=4
